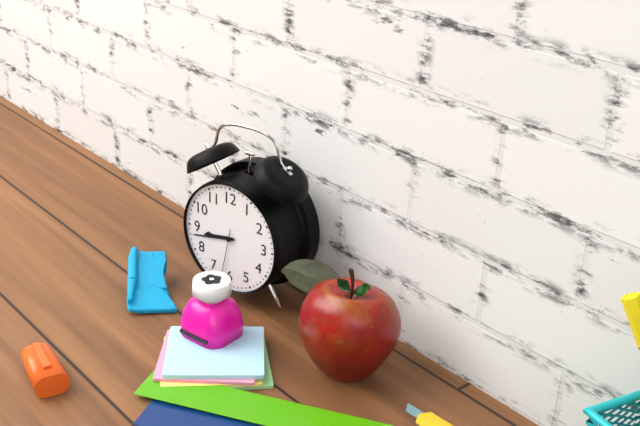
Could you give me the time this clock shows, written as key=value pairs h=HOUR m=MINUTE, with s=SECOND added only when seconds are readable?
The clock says h=8 m=43 s=32
